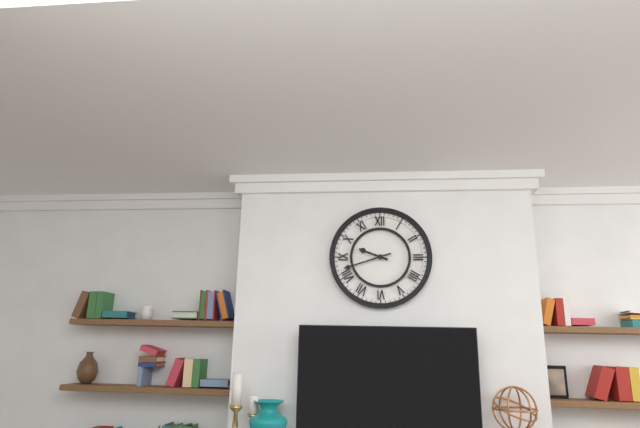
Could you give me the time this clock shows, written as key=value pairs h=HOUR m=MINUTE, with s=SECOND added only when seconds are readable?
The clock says h=9 m=42
